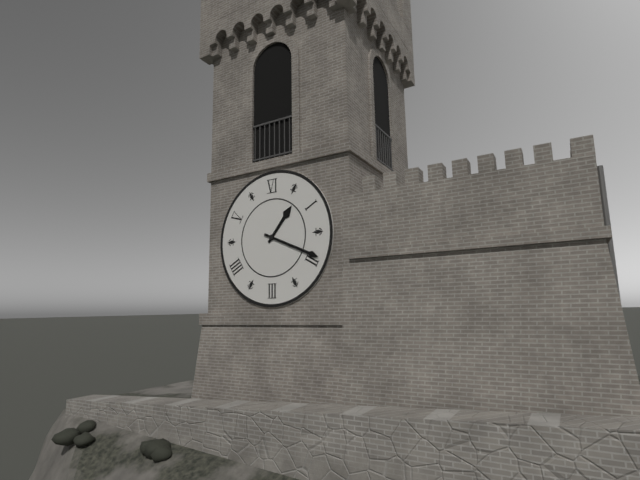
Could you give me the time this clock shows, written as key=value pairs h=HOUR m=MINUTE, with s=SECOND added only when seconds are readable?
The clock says h=1 m=19
